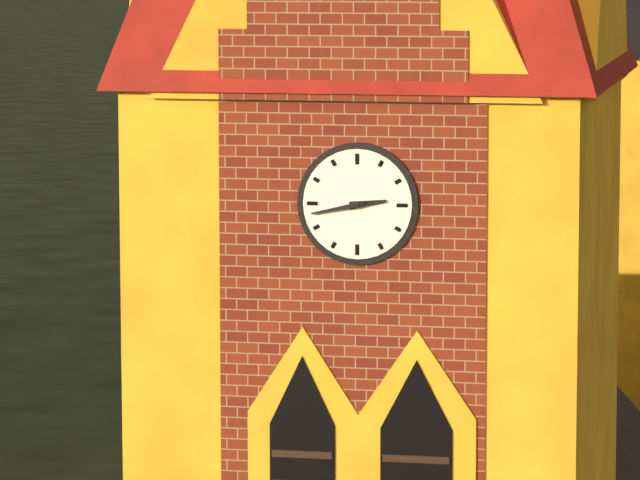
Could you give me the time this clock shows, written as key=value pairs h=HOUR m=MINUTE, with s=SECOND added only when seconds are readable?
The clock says h=2 m=43
